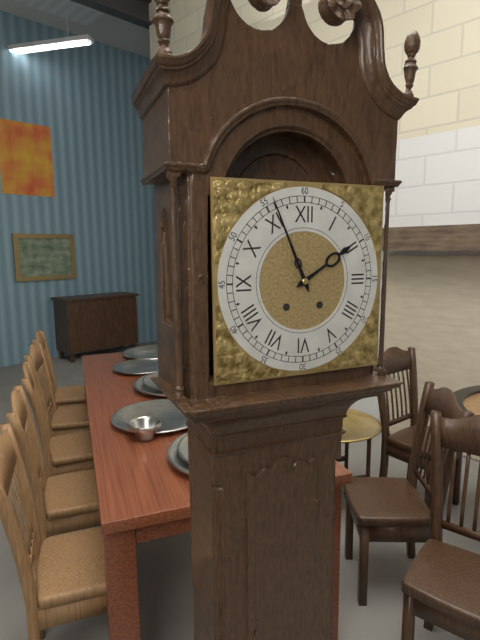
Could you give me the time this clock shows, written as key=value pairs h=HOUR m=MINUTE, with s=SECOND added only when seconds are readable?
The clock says h=1 m=56
